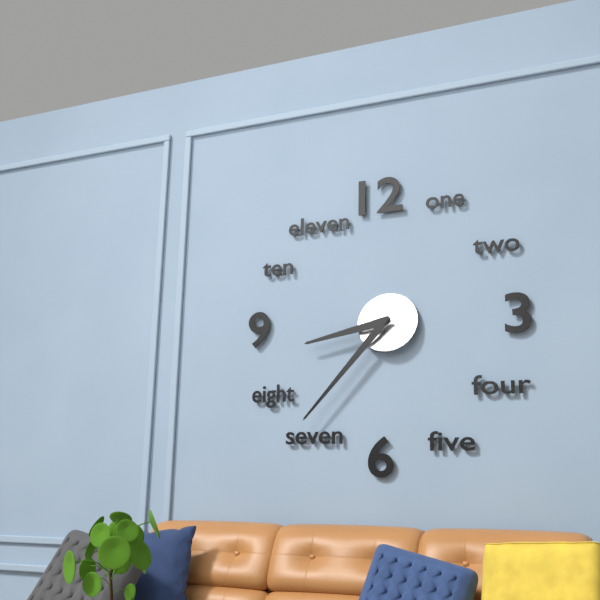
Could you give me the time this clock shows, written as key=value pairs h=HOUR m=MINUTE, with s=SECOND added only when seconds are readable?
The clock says h=8 m=37
